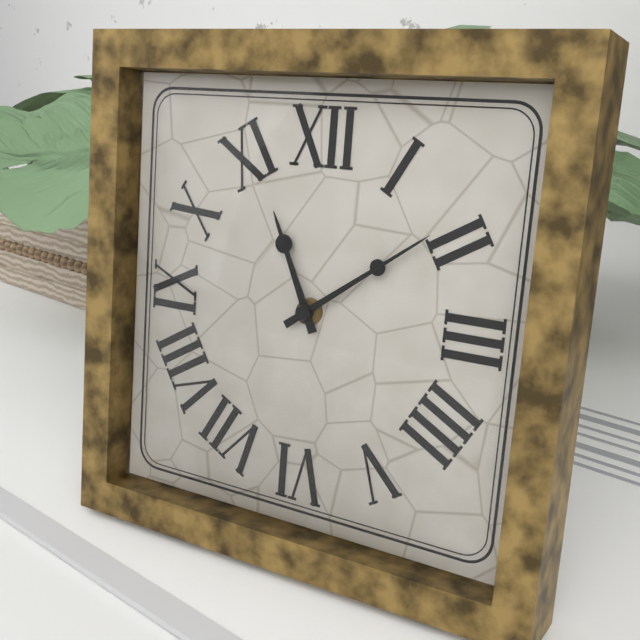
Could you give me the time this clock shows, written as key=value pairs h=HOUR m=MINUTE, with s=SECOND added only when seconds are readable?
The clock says h=11 m=9
